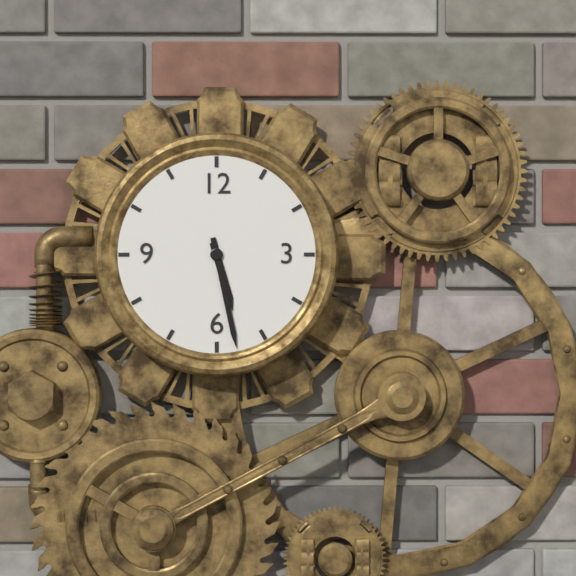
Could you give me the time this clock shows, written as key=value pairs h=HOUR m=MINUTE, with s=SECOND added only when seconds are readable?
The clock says h=5 m=28
